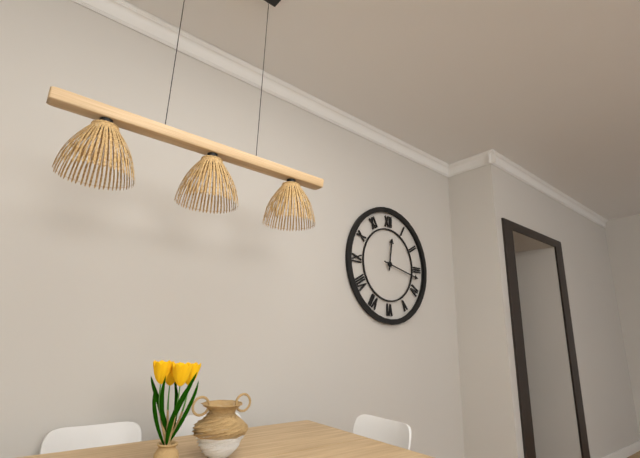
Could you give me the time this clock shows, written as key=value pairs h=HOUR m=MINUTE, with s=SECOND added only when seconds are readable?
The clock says h=12 m=17
